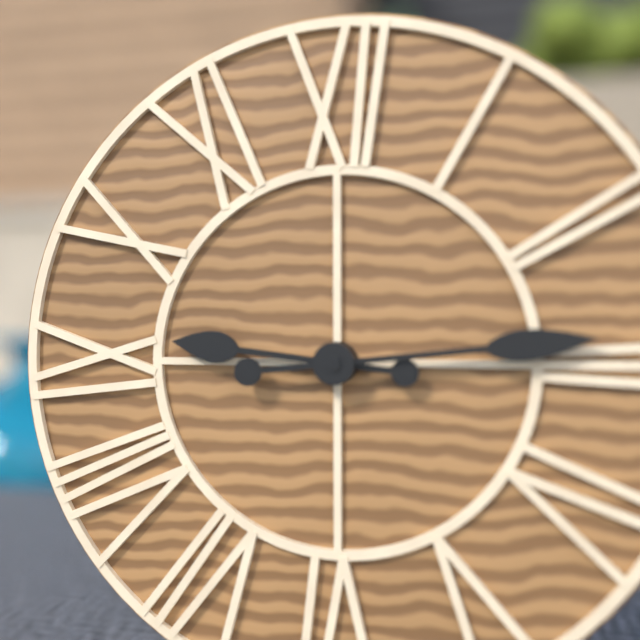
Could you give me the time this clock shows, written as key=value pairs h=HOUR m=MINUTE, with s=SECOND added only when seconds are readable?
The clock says h=9 m=14
